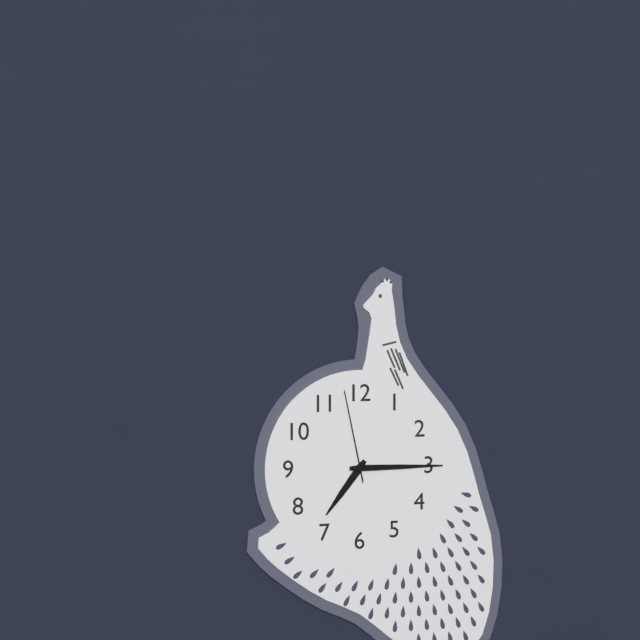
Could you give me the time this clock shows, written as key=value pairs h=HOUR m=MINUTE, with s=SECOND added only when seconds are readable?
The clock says h=7 m=15 s=58
